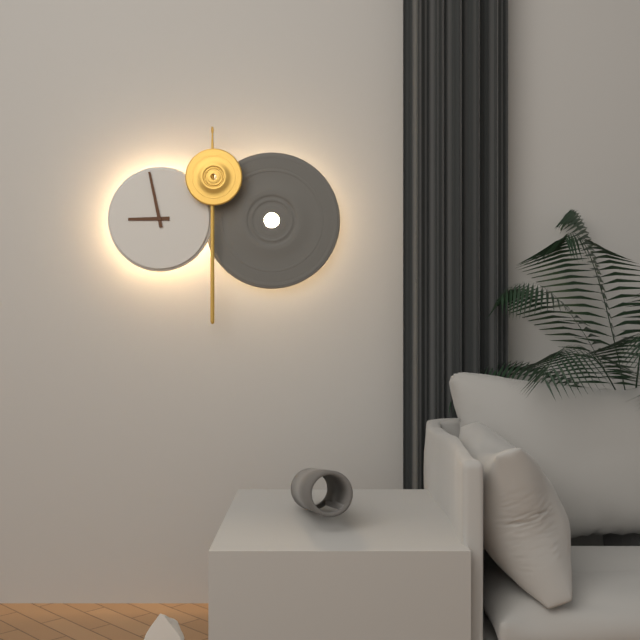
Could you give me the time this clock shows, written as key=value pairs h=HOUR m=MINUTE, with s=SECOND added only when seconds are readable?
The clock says h=8 m=58
